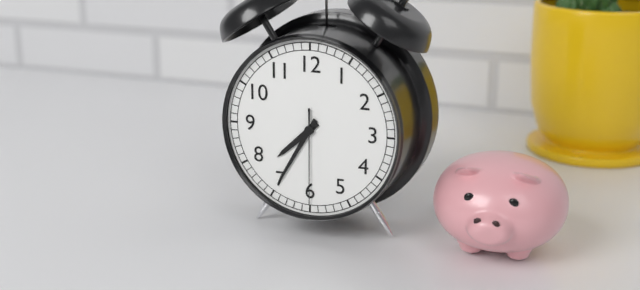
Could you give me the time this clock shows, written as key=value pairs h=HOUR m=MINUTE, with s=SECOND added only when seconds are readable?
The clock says h=7 m=35 s=30
